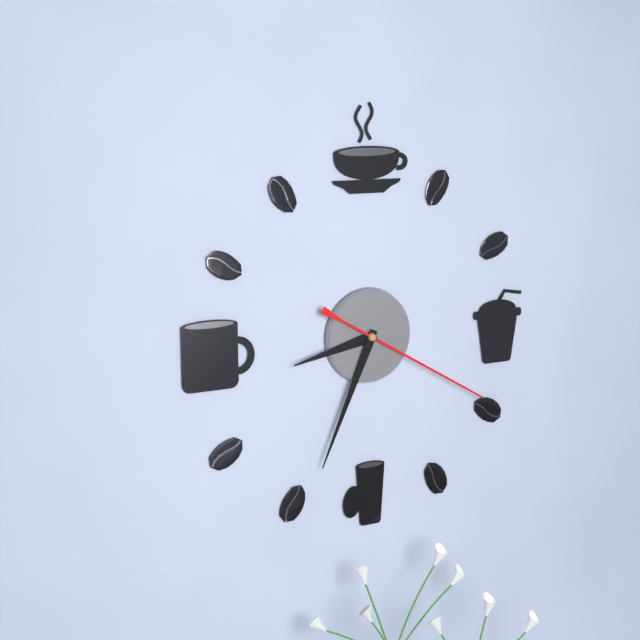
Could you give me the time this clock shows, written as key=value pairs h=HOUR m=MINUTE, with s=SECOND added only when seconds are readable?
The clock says h=8 m=34 s=20
